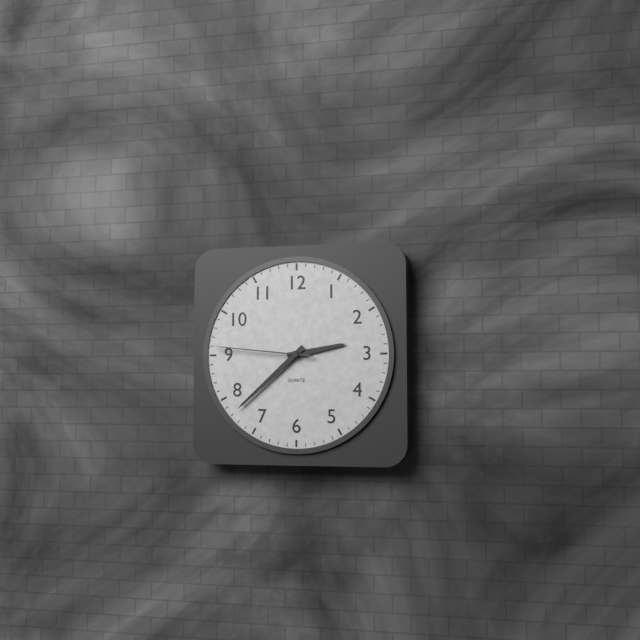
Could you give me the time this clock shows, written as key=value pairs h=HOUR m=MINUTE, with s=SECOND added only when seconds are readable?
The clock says h=2 m=38 s=46
